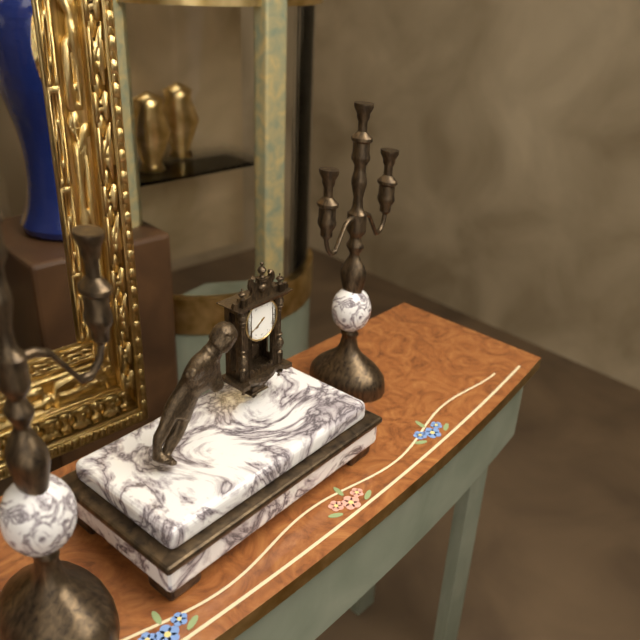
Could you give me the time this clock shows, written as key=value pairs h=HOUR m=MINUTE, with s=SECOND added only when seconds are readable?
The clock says h=7 m=40
